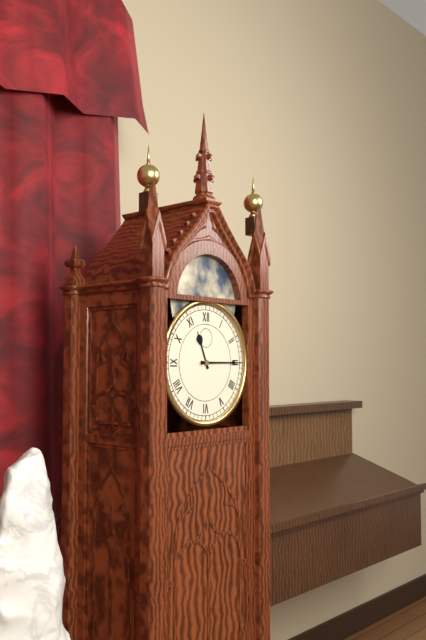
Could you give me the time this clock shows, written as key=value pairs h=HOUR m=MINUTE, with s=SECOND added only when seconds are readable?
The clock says h=11 m=15
